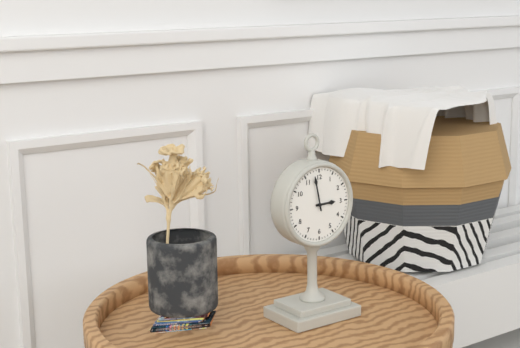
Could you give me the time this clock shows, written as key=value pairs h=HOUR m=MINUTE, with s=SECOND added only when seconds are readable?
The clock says h=2 m=58
